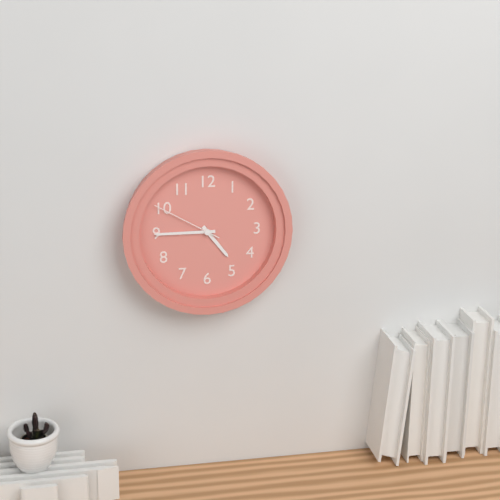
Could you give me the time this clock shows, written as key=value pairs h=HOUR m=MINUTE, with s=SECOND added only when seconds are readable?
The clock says h=4 m=45 s=50
